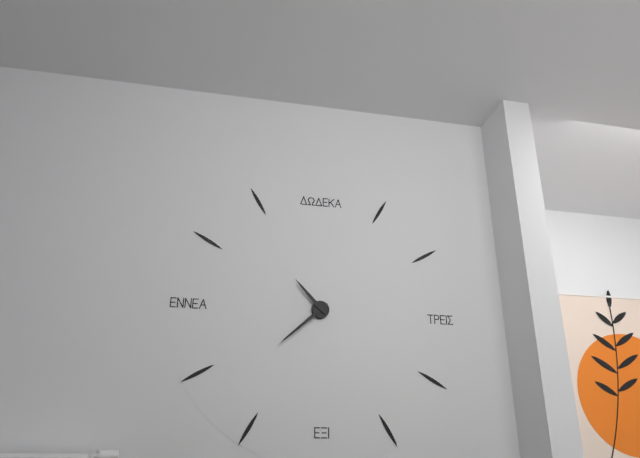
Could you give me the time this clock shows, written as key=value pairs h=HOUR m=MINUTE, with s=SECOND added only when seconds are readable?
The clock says h=10 m=38
